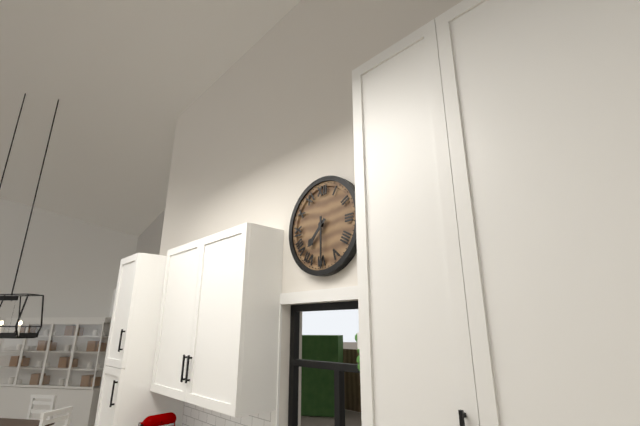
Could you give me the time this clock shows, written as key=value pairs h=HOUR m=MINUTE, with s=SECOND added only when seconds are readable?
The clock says h=7 m=30
